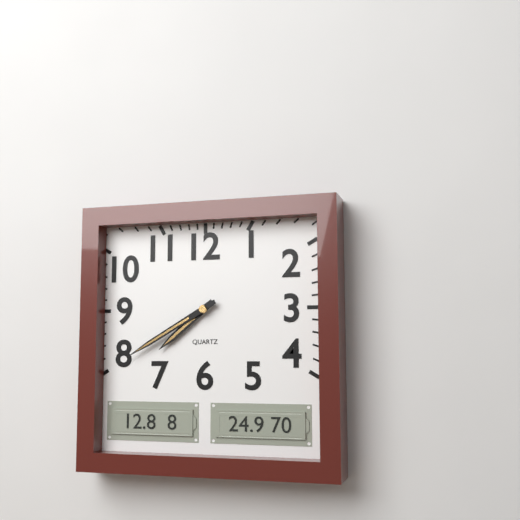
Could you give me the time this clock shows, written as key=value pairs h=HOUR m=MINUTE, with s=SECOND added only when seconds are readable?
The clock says h=7 m=40
